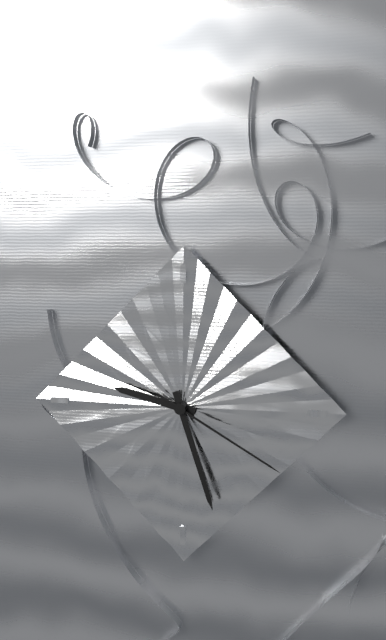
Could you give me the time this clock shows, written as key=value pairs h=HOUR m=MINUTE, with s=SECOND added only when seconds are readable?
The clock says h=9 m=27 s=20
